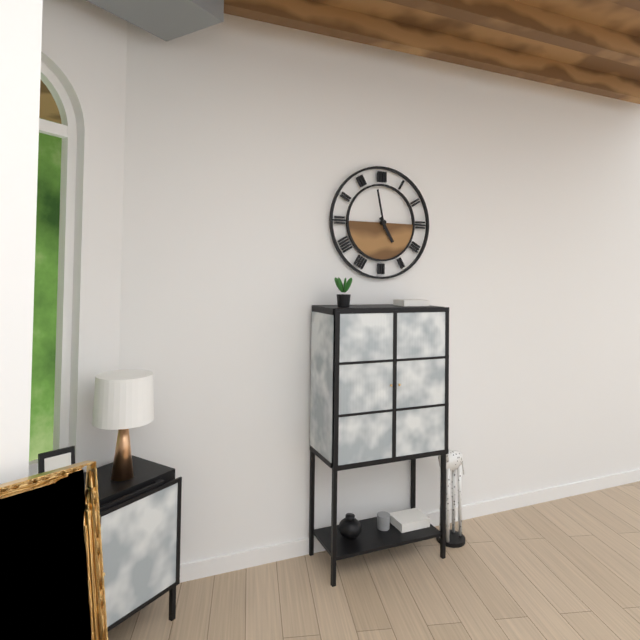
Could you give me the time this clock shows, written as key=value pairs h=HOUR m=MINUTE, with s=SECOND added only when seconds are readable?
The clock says h=4 m=58
